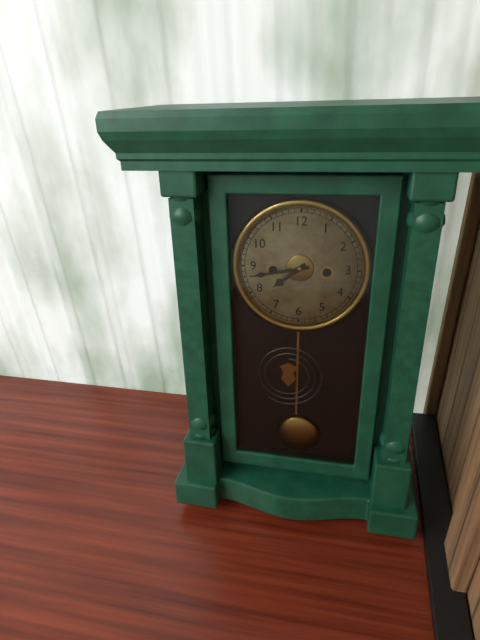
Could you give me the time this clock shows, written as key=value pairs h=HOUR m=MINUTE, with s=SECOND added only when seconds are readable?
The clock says h=7 m=43
